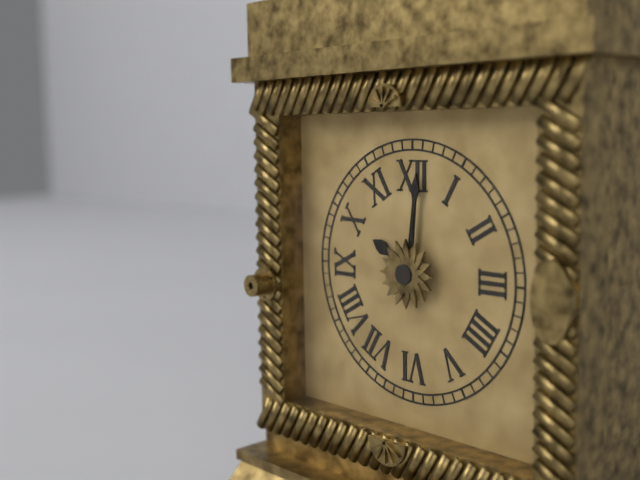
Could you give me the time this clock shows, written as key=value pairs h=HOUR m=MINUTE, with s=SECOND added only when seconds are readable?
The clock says h=10 m=1
